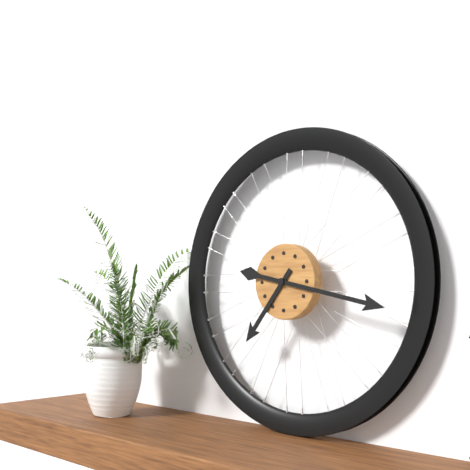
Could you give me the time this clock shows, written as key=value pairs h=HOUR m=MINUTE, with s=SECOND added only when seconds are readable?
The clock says h=7 m=17
